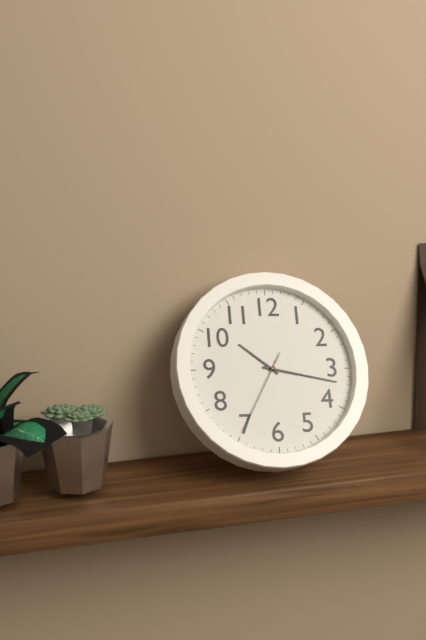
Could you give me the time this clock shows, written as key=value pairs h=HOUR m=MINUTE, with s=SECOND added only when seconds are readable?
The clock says h=10 m=17 s=35
